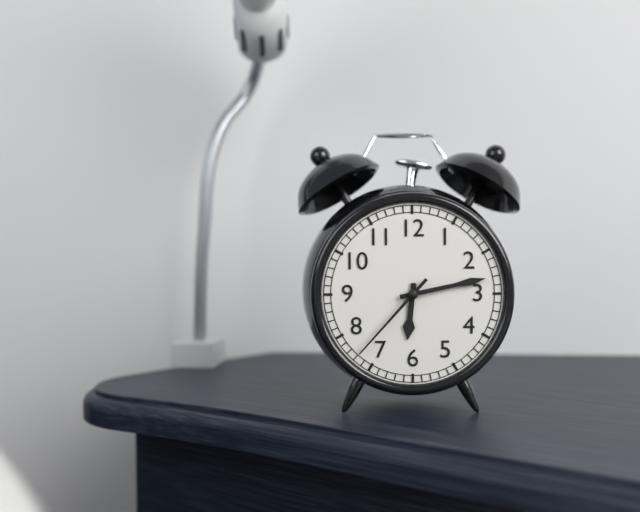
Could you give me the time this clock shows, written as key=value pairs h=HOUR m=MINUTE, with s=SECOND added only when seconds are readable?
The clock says h=6 m=13 s=37
